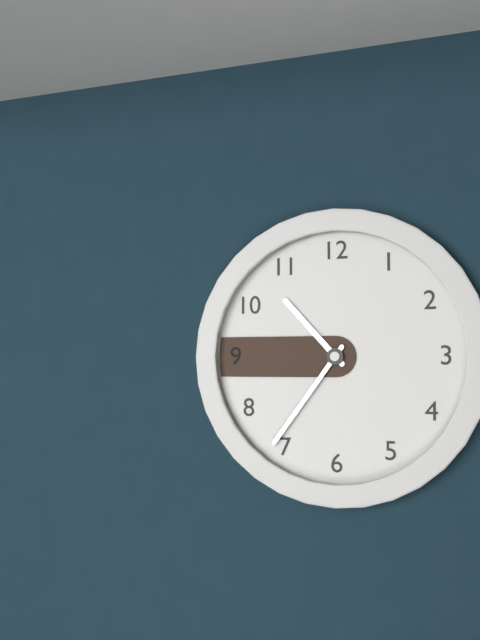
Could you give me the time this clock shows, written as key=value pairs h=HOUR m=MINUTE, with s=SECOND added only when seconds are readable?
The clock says h=10 m=36
